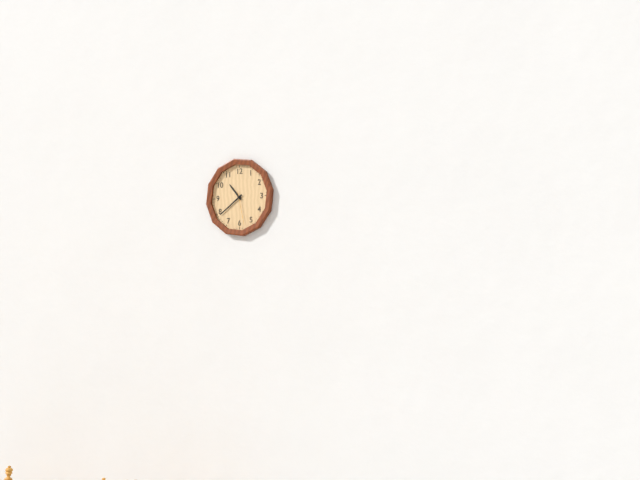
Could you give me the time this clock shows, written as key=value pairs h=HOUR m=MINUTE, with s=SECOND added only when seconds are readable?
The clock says h=10 m=39
